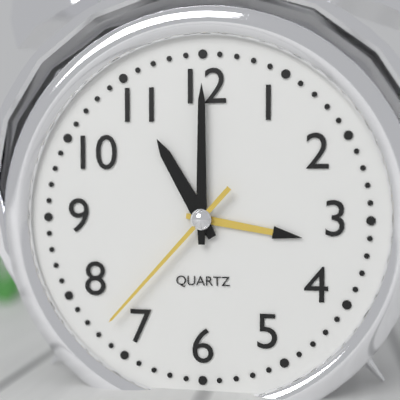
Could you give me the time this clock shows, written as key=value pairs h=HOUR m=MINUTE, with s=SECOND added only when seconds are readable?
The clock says h=11 m=0 s=37
